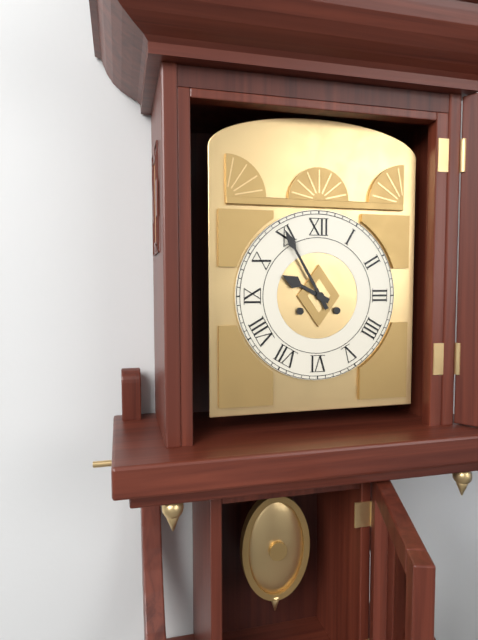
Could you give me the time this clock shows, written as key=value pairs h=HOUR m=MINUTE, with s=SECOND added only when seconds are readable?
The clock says h=9 m=55
